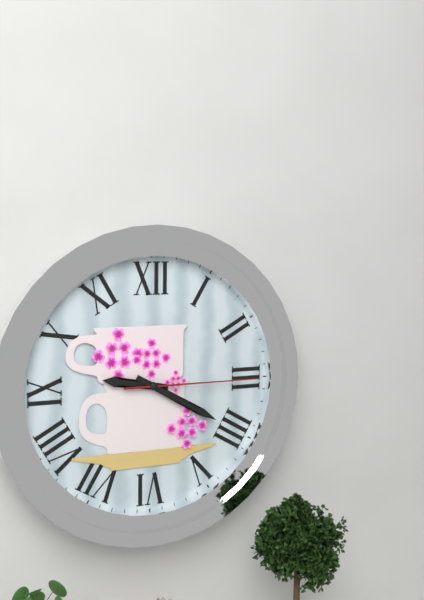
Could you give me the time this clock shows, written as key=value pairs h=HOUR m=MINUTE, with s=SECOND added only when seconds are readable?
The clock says h=9 m=20 s=15
